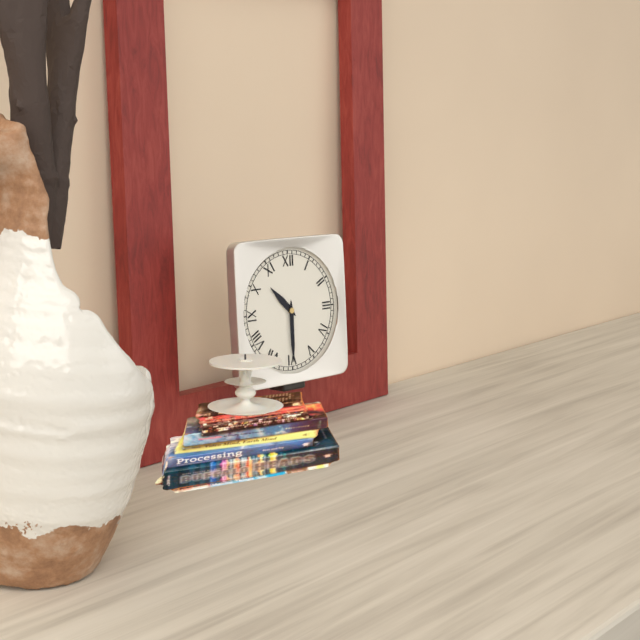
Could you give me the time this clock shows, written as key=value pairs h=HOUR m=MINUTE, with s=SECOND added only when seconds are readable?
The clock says h=10 m=30
